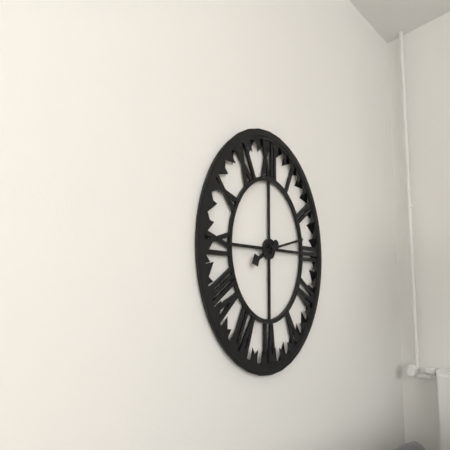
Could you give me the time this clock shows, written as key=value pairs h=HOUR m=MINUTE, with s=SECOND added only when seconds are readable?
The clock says h=8 m=13
